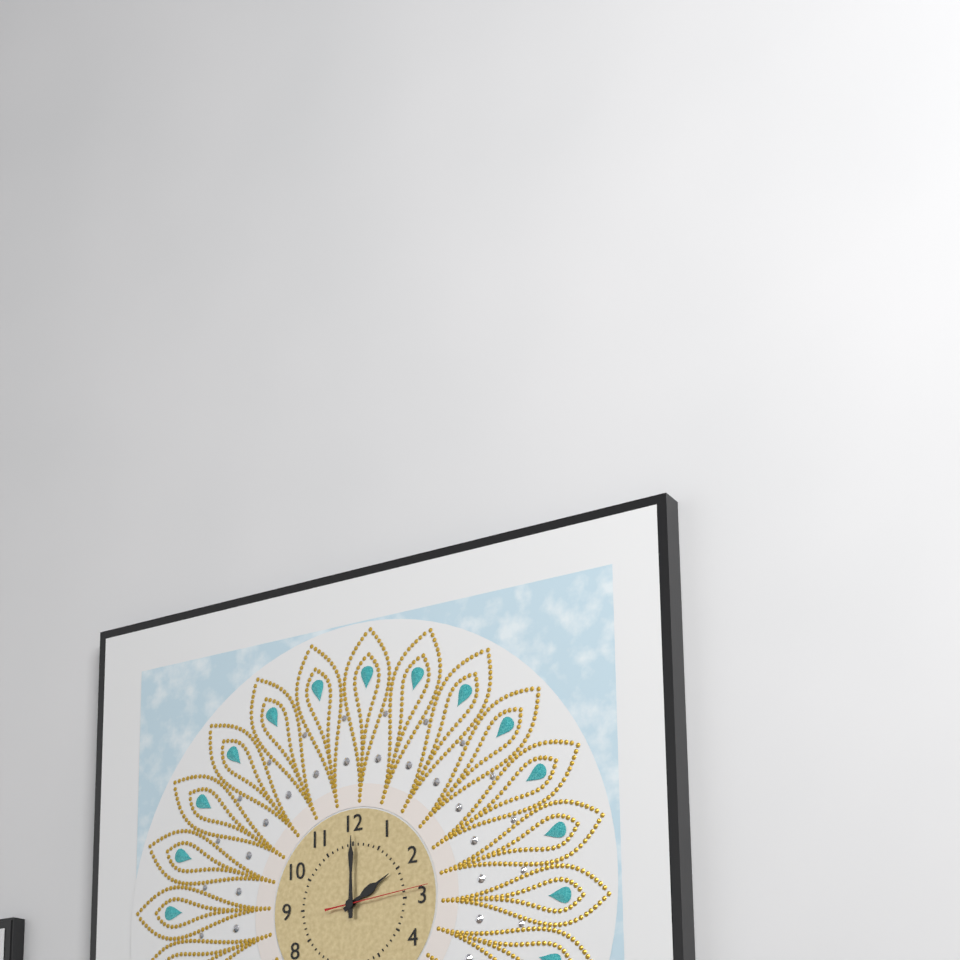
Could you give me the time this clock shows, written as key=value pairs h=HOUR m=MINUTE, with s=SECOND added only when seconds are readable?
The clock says h=2 m=0 s=14
